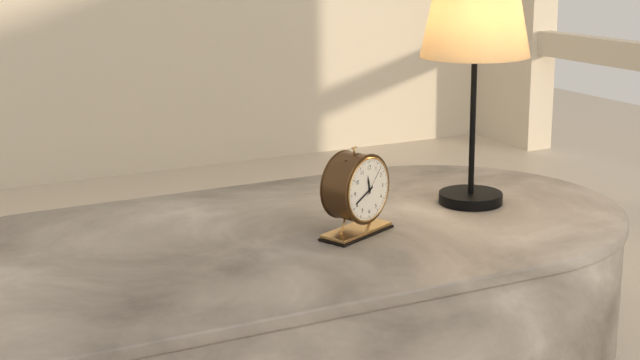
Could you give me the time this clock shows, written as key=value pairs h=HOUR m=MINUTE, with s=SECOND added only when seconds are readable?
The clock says h=11 m=41
